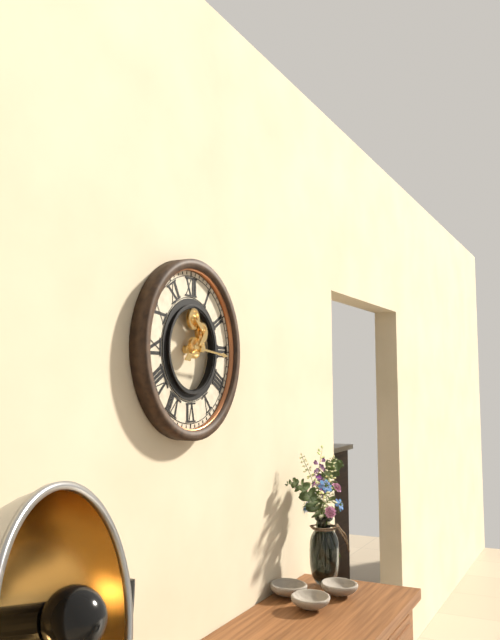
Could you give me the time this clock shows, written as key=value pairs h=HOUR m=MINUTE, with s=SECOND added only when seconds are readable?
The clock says h=8 m=16
